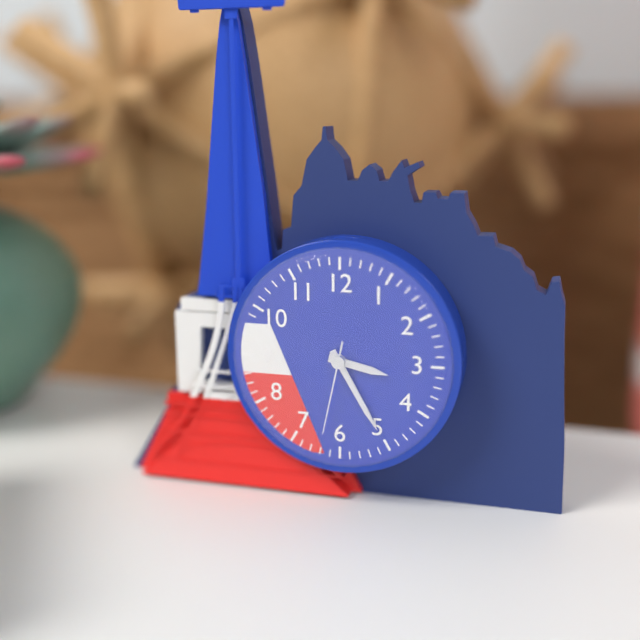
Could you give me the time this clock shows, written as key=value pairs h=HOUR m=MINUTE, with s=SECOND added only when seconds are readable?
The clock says h=3 m=25 s=32
